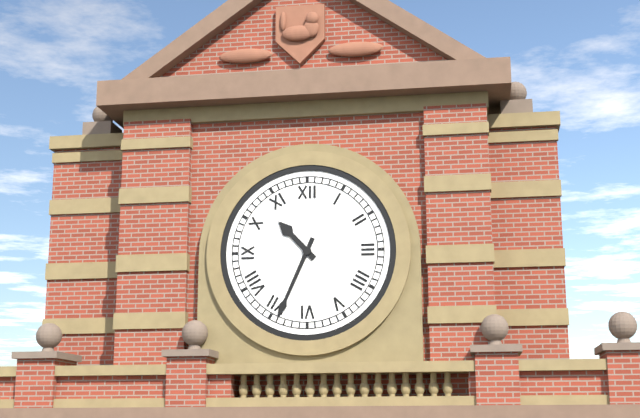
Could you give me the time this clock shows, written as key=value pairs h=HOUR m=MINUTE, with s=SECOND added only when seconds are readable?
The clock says h=10 m=34
